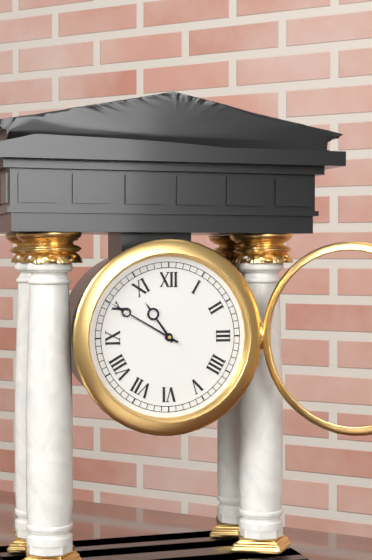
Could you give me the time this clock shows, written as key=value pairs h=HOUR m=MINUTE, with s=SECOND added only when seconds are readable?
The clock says h=10 m=50
